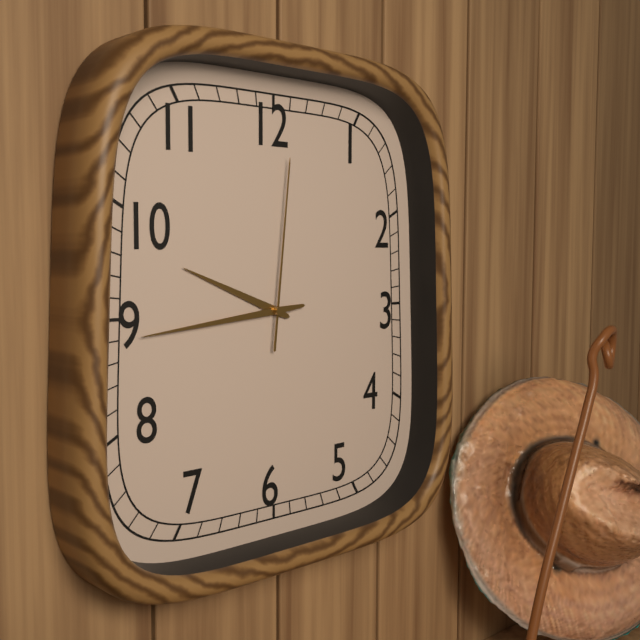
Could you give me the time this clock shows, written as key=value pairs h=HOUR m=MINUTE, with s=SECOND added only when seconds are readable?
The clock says h=9 m=44 s=1
